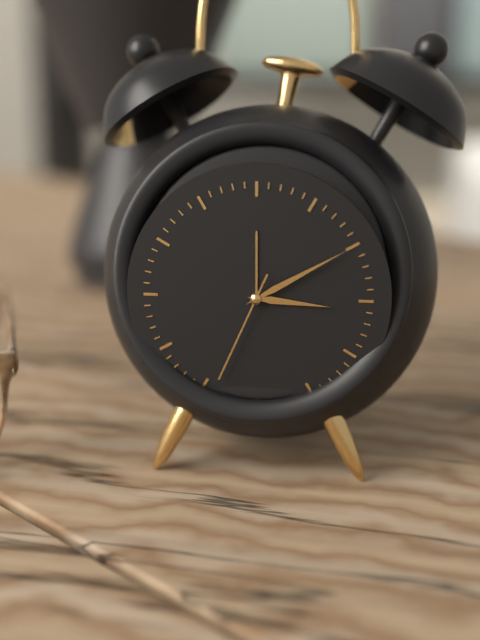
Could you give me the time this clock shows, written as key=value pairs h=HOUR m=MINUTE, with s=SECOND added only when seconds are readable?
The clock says h=3 m=10 s=34
